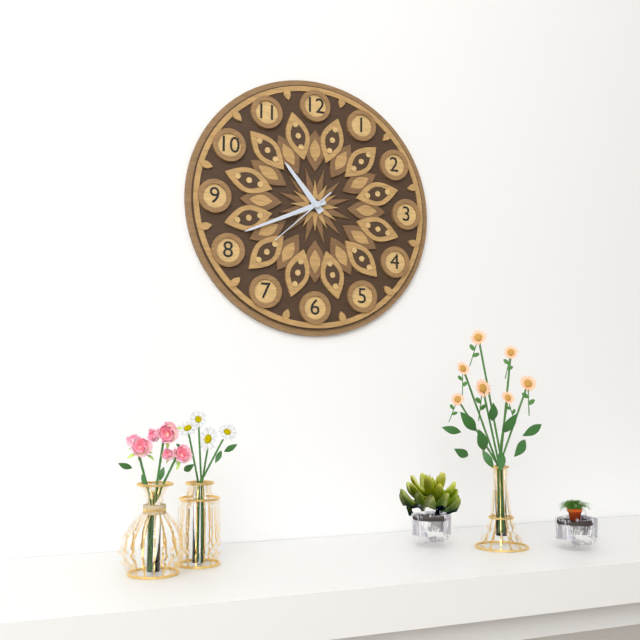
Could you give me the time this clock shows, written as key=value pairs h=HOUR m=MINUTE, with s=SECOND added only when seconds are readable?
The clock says h=10 m=41 s=38
